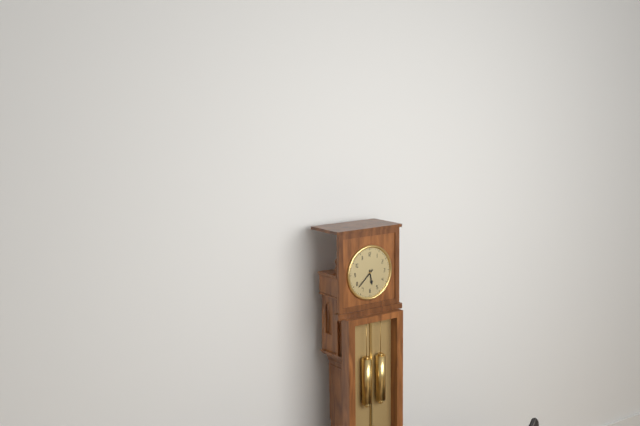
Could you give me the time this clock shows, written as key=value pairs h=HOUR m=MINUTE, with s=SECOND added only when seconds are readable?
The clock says h=5 m=38
